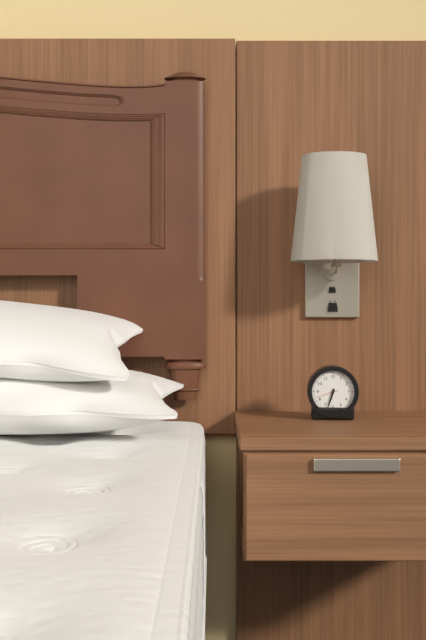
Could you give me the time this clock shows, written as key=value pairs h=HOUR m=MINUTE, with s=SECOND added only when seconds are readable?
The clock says h=6 m=33
